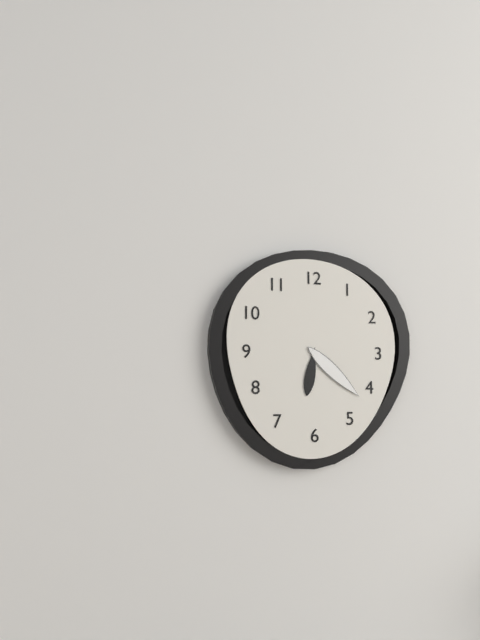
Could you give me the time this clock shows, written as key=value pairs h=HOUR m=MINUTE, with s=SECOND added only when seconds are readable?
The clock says h=6 m=22
